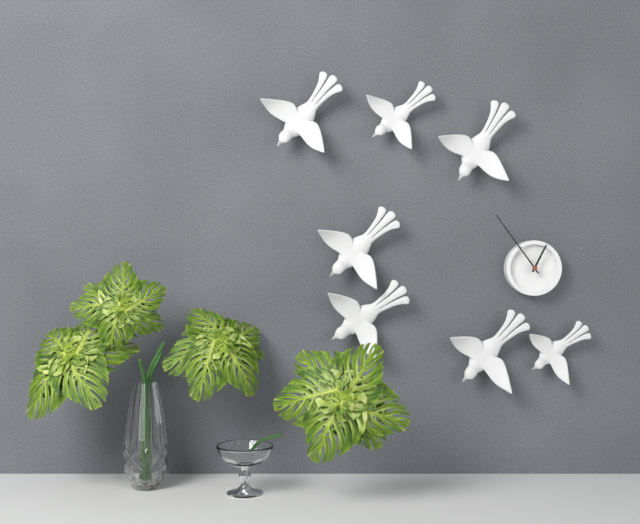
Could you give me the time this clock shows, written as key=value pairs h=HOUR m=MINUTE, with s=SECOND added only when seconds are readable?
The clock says h=12 m=54
